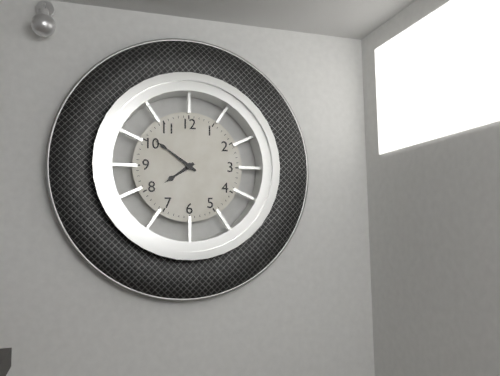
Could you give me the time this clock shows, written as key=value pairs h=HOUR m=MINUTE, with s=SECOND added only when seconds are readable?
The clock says h=7 m=51
